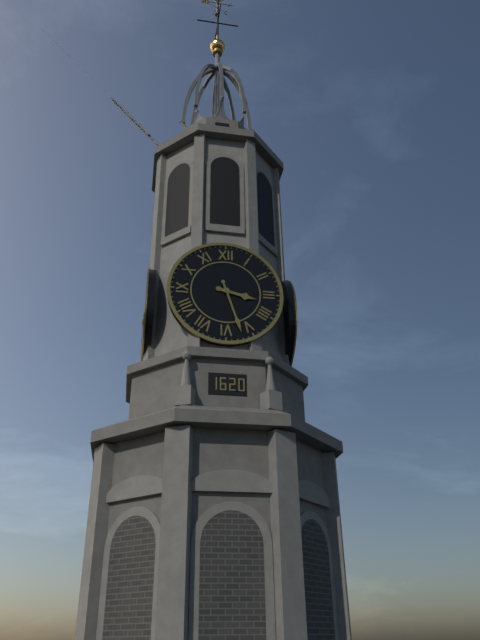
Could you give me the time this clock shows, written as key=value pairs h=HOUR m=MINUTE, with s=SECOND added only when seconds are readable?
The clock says h=3 m=27
